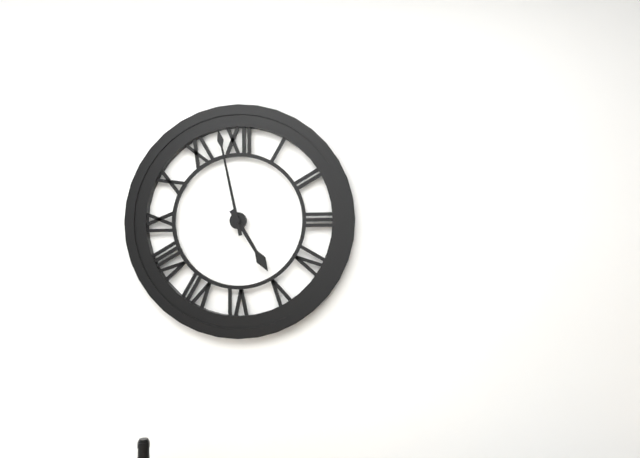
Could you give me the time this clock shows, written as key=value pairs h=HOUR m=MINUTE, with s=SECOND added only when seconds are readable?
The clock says h=4 m=58
